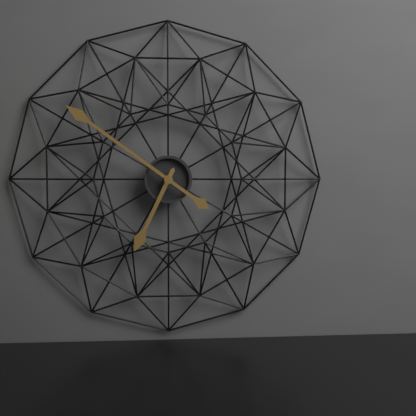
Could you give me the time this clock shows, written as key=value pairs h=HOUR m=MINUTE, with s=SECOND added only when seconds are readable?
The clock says h=6 m=51
